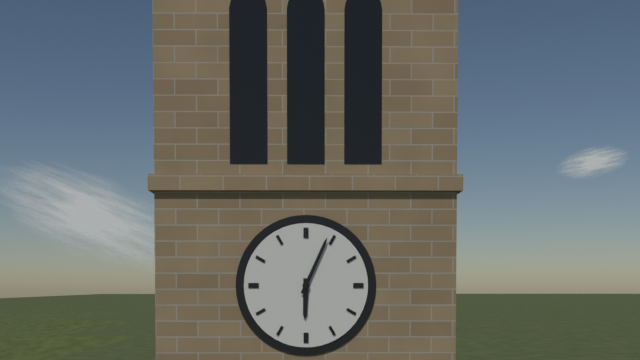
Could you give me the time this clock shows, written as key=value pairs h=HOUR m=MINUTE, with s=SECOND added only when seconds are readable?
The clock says h=6 m=4
